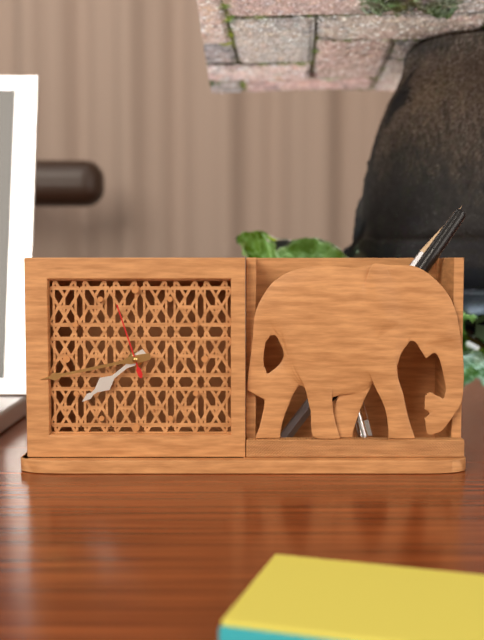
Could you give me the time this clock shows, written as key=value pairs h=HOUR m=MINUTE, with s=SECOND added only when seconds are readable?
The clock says h=7 m=43 s=57
